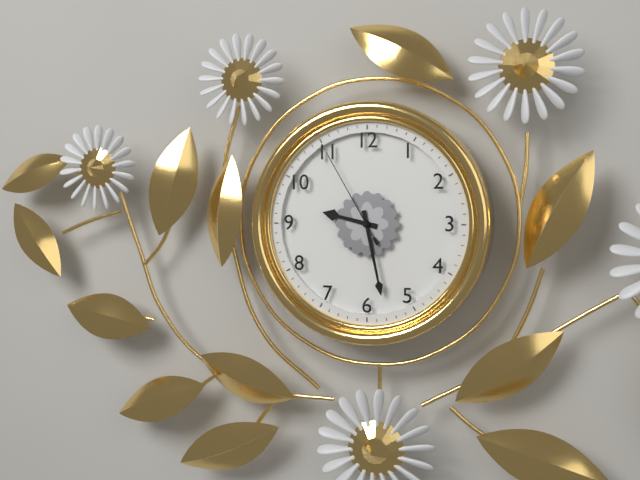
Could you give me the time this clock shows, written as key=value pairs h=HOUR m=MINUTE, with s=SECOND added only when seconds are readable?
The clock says h=9 m=28 s=55
